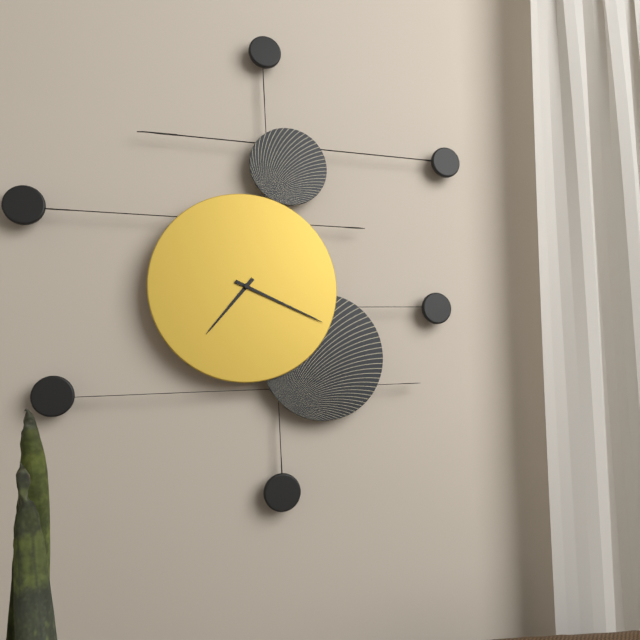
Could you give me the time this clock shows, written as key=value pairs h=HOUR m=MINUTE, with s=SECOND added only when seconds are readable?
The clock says h=7 m=19
